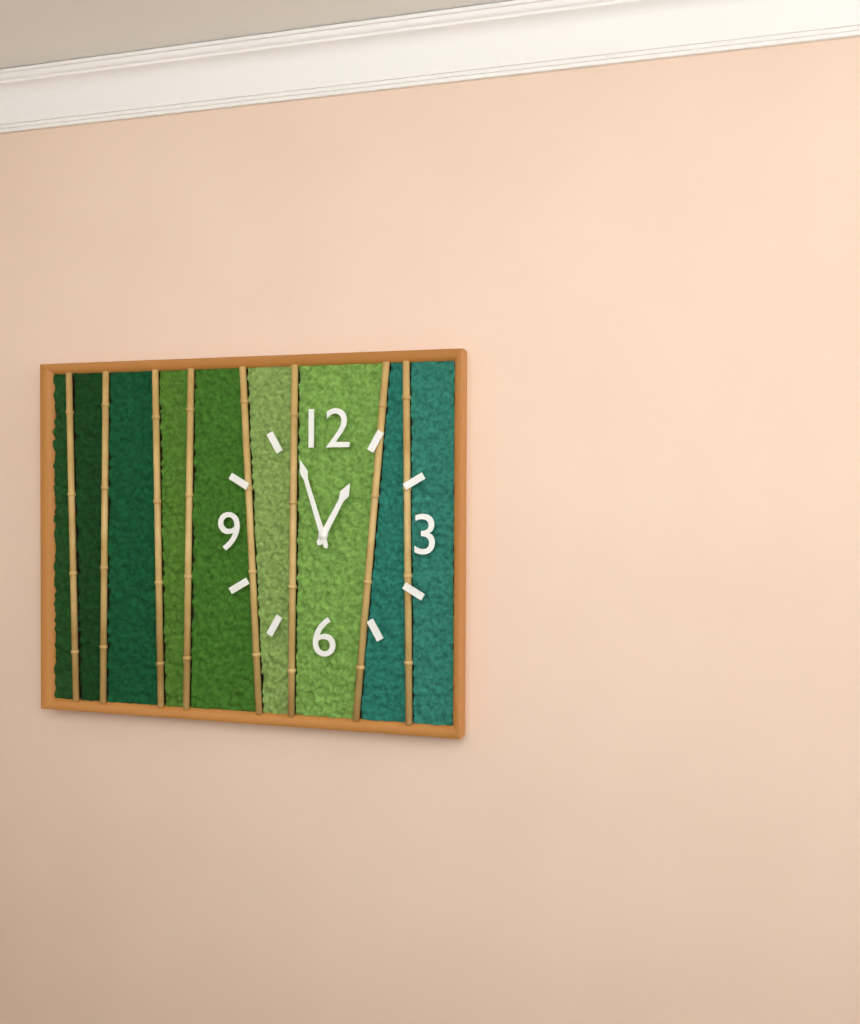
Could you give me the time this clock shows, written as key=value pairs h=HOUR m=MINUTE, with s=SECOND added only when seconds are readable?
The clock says h=12 m=57
